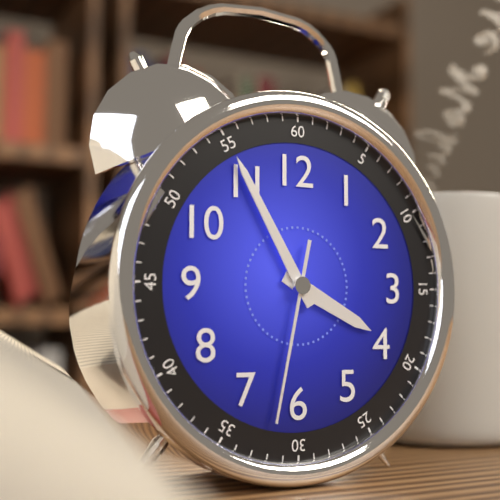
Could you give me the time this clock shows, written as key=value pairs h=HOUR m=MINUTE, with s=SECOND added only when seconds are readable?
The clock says h=3 m=55 s=32
